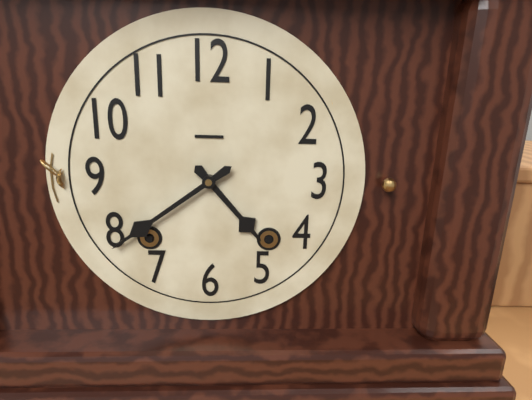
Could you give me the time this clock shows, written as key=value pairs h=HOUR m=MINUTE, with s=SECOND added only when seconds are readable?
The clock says h=4 m=39
